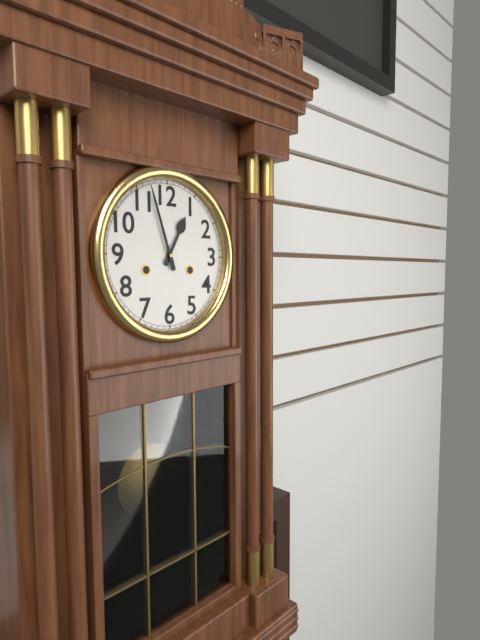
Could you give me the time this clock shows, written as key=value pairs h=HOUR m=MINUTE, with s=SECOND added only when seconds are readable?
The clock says h=12 m=57
